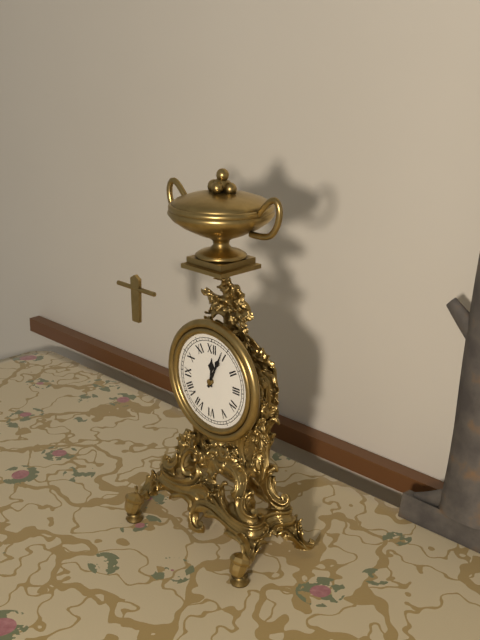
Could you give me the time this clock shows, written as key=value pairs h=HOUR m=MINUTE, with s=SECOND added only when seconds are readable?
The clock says h=12 m=4
